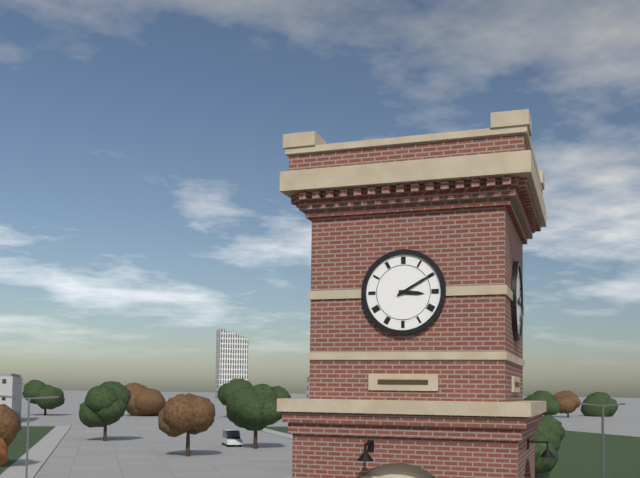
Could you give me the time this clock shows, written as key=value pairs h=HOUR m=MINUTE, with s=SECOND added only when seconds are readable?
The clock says h=3 m=10
